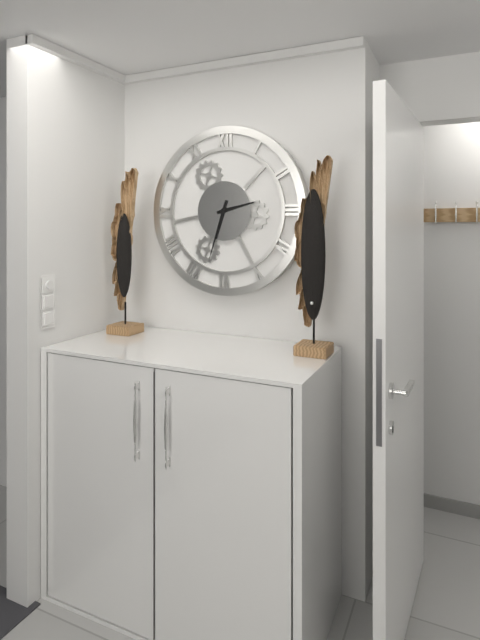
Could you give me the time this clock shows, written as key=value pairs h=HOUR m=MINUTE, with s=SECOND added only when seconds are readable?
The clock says h=2 m=33
